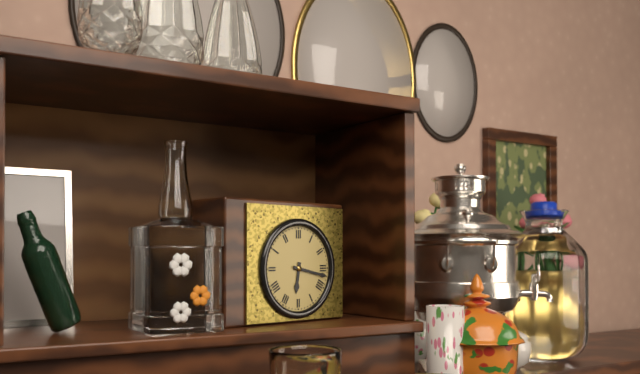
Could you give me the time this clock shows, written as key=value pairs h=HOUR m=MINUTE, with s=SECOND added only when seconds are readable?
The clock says h=6 m=17
